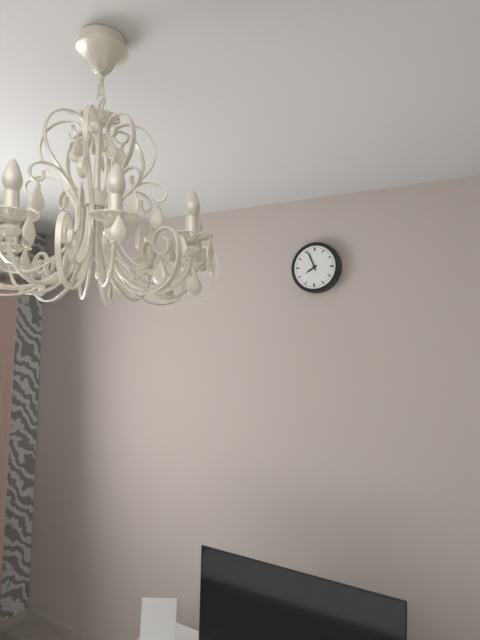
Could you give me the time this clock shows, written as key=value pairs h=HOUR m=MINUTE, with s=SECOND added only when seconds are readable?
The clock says h=7 m=56
